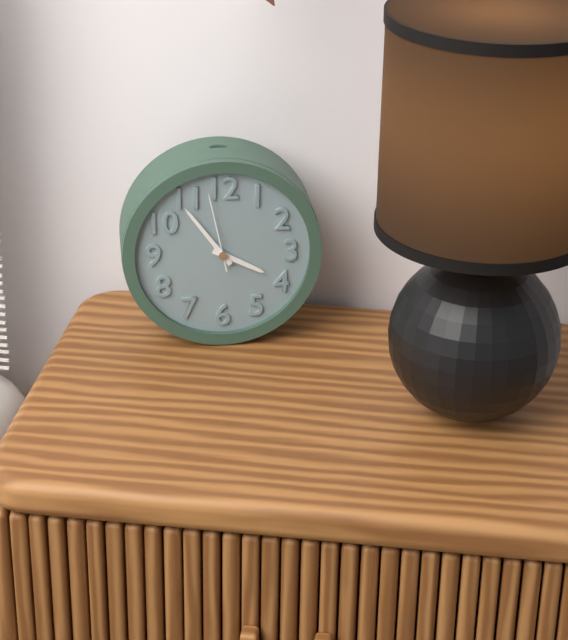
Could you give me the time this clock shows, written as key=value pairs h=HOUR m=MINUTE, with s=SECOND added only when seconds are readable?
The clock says h=3 m=54 s=58
